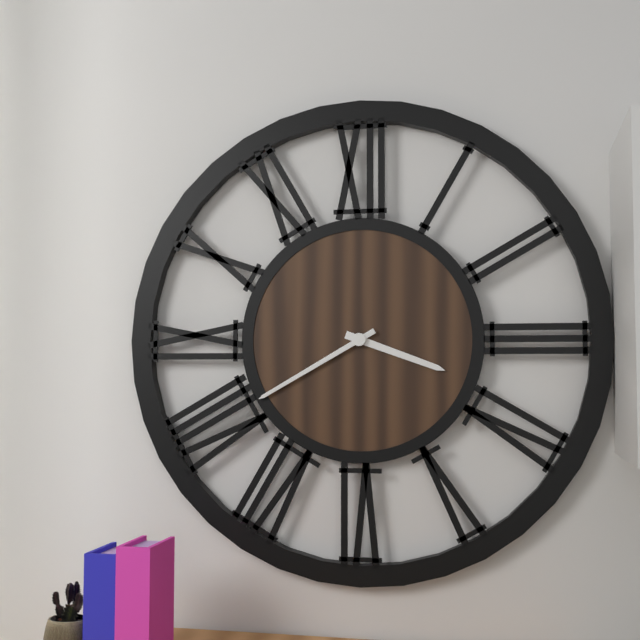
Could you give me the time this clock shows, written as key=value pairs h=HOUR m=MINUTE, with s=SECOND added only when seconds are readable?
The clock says h=3 m=40
